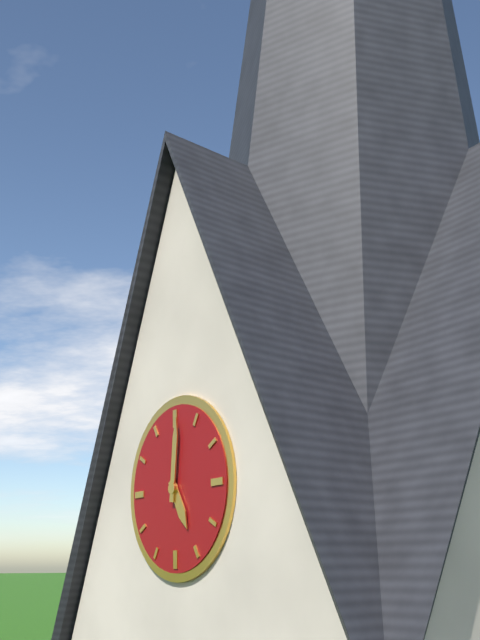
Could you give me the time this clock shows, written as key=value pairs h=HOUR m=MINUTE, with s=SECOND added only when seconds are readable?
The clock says h=5 m=1
